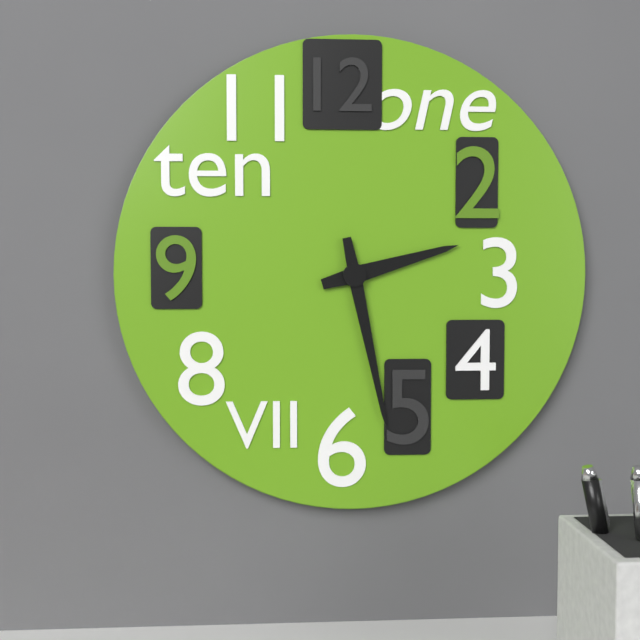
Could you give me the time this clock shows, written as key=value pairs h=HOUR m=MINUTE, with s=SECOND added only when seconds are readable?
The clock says h=2 m=28
